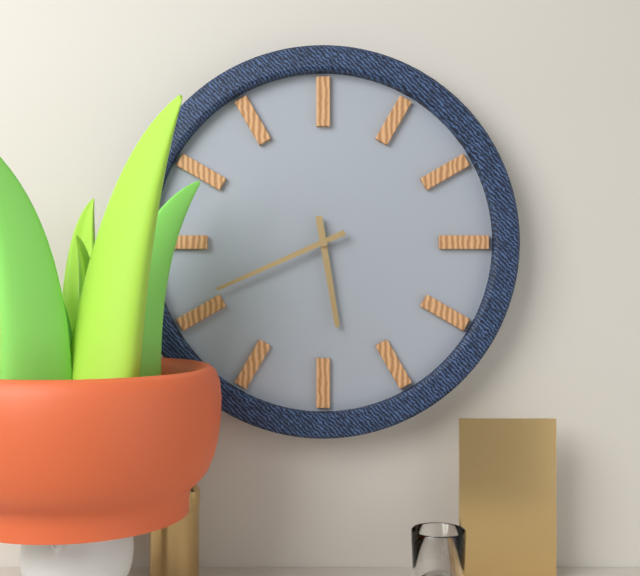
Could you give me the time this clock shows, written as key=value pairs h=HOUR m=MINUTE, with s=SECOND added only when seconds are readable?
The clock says h=5 m=41
